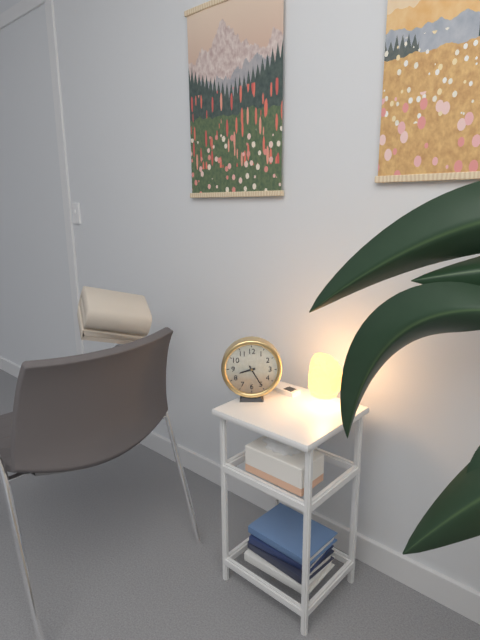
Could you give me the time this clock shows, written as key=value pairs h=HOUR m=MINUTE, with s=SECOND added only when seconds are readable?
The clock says h=8 m=25
